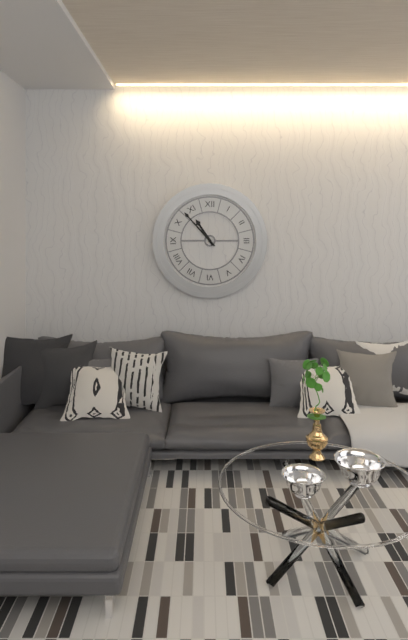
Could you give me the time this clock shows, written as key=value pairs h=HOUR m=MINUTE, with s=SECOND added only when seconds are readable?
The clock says h=10 m=53
